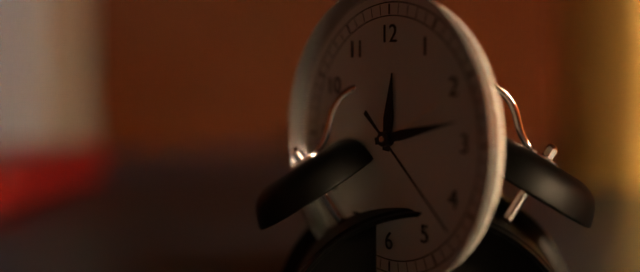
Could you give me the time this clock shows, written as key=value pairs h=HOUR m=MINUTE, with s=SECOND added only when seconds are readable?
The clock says h=12 m=13 s=22
